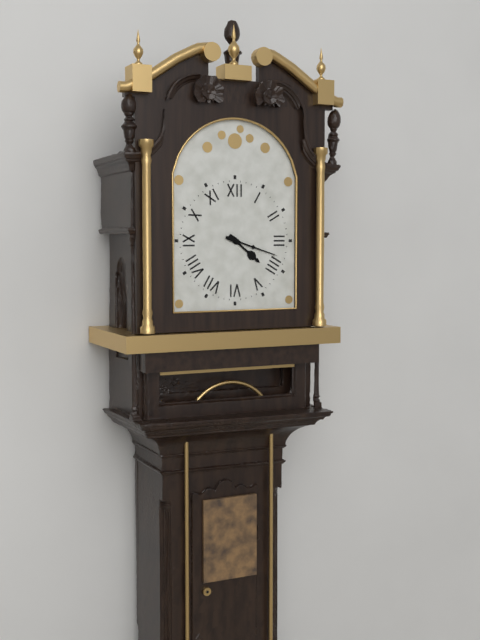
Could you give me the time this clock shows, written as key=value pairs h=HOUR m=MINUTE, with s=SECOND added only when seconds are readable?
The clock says h=4 m=18
